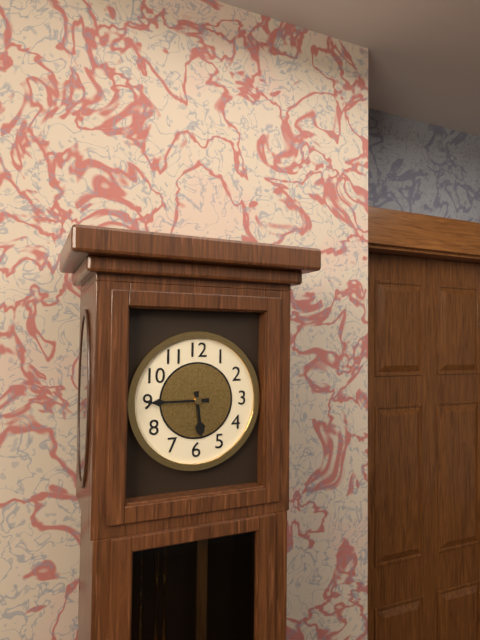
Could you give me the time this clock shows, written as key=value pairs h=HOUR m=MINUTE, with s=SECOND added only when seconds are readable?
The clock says h=5 m=45
